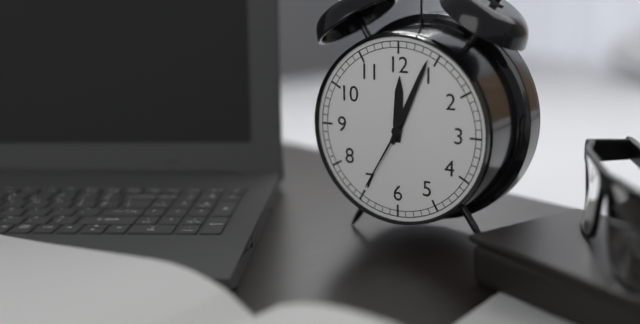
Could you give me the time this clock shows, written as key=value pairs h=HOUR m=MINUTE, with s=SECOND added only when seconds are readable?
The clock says h=12 m=4 s=35
